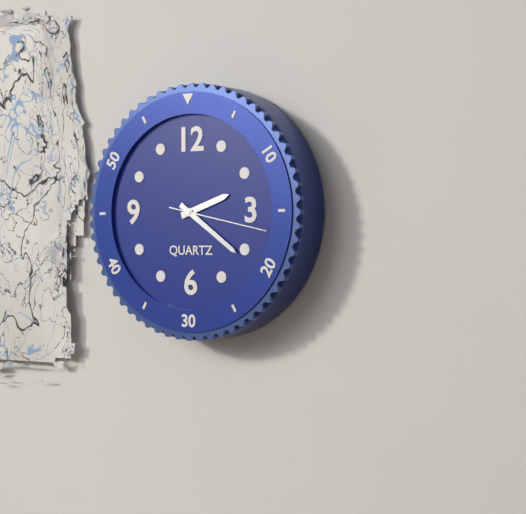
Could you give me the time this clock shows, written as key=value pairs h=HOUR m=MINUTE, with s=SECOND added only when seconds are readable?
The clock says h=2 m=21 s=17
